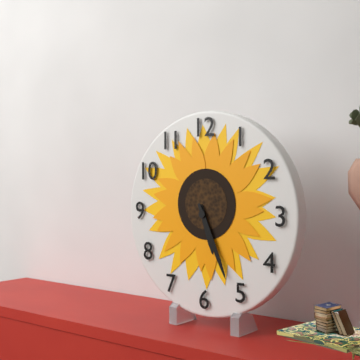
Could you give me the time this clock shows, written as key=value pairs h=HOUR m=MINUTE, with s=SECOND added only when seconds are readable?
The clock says h=5 m=26
